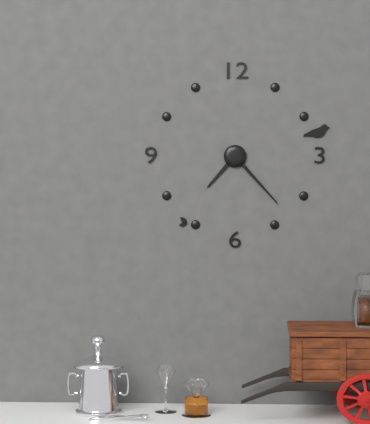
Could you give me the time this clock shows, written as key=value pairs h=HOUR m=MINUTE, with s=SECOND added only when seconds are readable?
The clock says h=7 m=23
